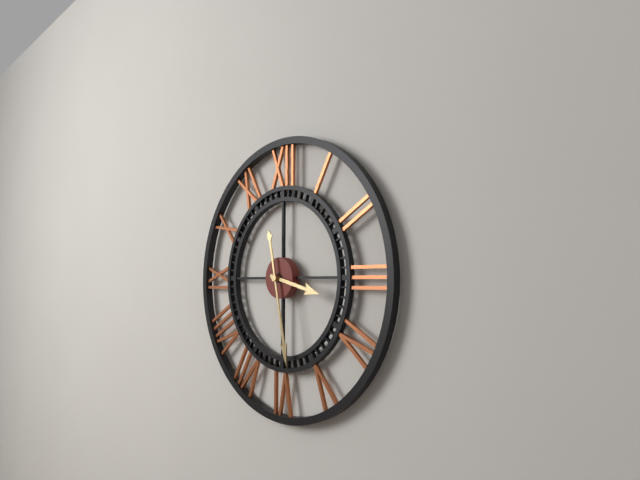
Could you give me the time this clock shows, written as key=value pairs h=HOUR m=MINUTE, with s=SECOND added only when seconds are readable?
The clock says h=3 m=28
